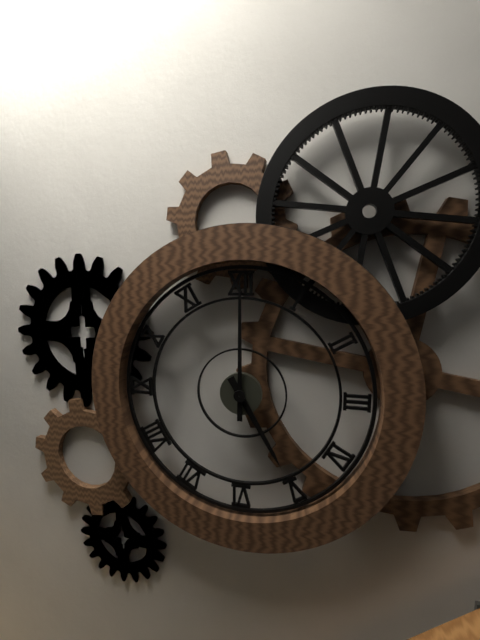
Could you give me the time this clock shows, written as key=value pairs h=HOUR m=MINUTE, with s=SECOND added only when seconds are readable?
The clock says h=5 m=0
